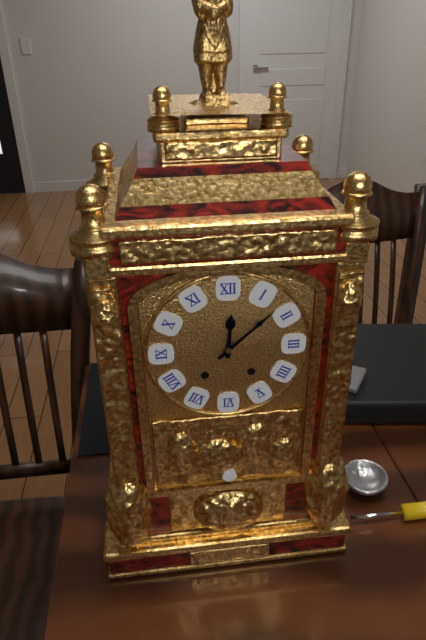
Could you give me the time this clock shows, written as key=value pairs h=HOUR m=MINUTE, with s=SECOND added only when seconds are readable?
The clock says h=12 m=8
